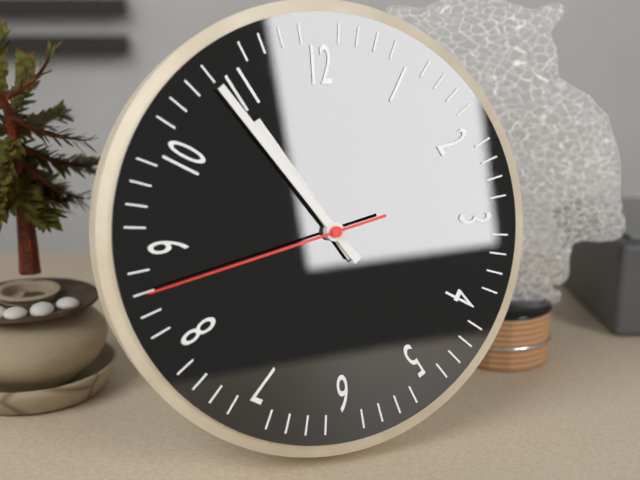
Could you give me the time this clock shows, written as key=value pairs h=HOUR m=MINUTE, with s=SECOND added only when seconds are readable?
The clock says h=10 m=54 s=43
